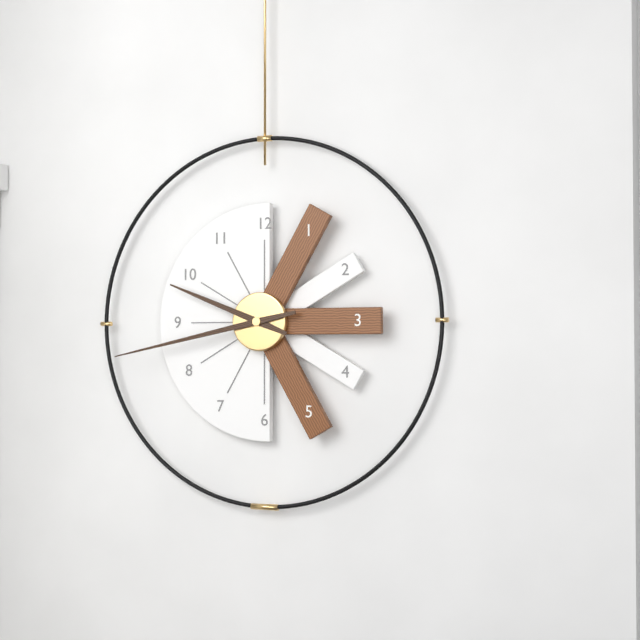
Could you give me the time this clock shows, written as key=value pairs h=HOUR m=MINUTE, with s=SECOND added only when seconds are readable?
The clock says h=9 m=43
